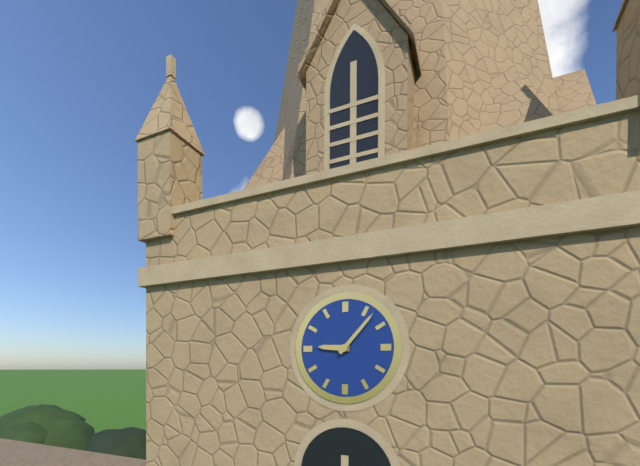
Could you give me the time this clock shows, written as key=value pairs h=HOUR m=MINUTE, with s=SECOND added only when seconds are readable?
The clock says h=9 m=7
